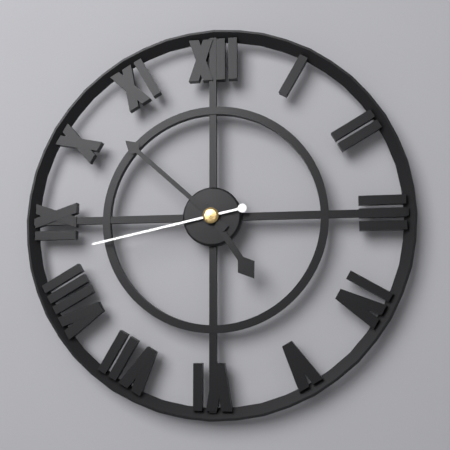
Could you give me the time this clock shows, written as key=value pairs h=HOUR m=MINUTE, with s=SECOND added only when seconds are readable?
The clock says h=4 m=52 s=43
